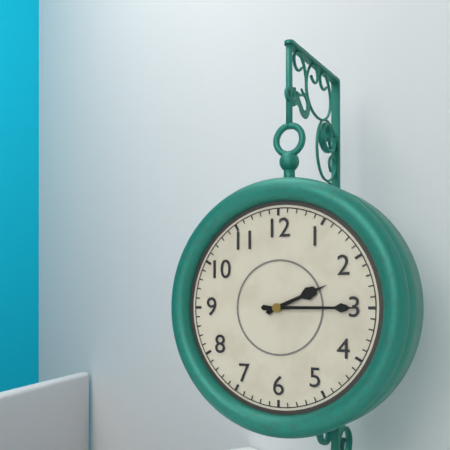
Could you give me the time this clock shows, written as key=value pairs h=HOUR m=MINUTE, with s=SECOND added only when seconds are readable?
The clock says h=2 m=15
